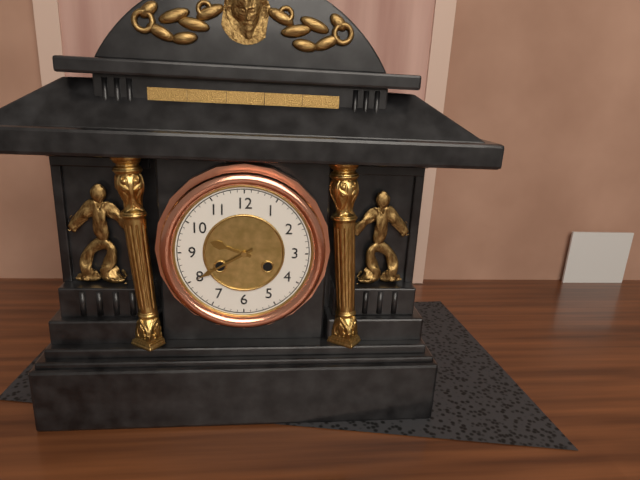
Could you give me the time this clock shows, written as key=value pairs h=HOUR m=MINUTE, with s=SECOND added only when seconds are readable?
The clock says h=9 m=40
